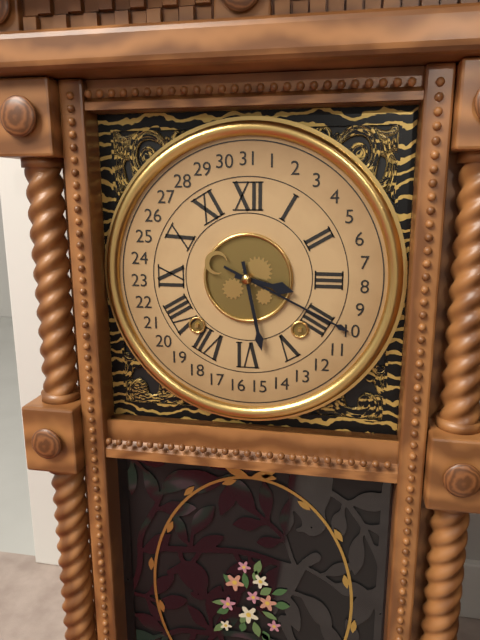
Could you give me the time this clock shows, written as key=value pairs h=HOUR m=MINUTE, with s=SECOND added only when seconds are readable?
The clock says h=3 m=28
